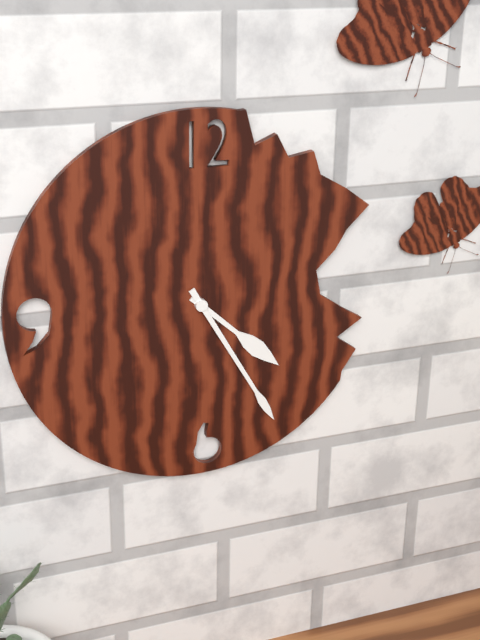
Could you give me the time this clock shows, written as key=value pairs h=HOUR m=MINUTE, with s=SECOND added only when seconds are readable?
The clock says h=4 m=25
